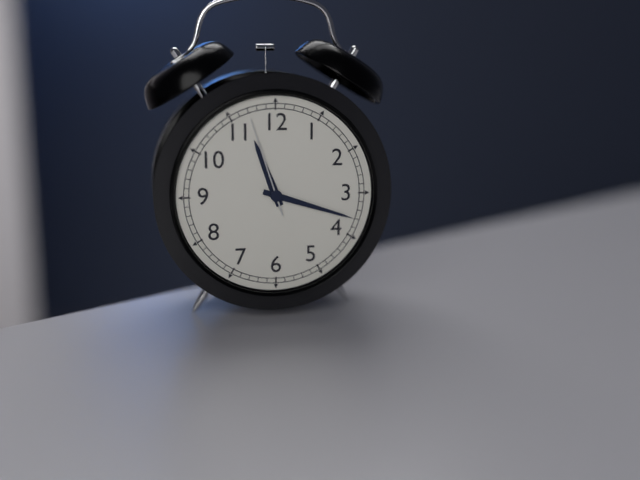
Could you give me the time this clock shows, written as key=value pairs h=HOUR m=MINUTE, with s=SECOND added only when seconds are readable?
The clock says h=11 m=18 s=57
